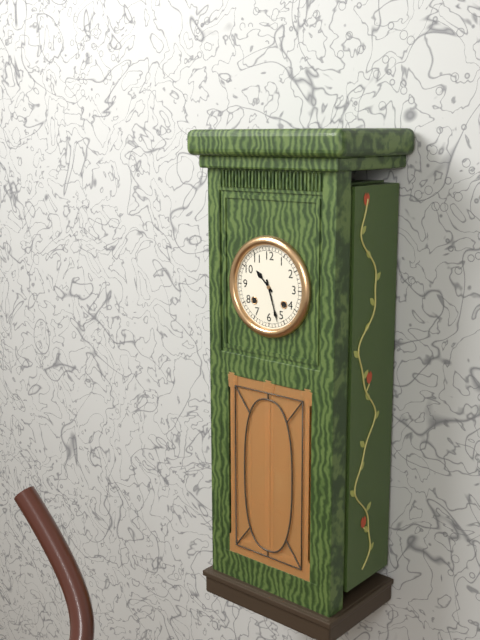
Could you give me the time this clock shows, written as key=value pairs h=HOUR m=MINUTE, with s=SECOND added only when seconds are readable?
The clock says h=10 m=27
